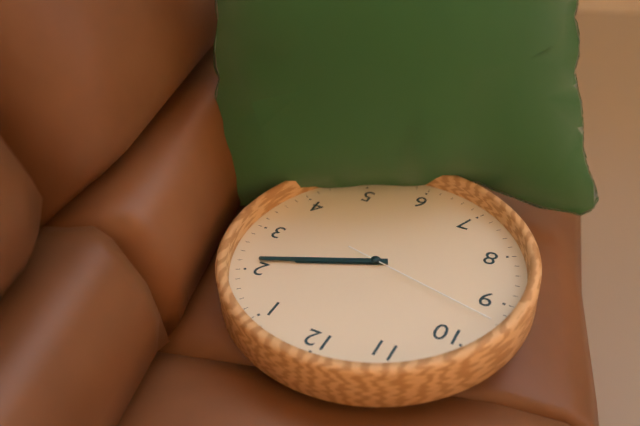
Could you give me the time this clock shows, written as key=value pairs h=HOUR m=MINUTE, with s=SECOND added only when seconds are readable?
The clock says h=2 m=11 s=47
